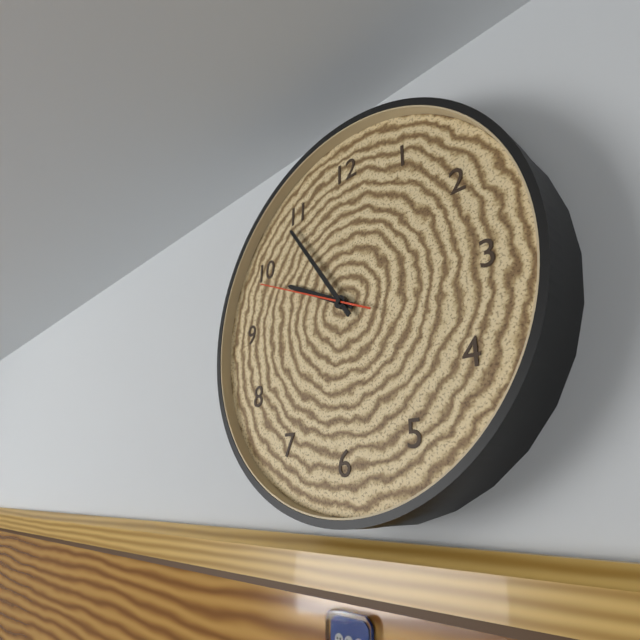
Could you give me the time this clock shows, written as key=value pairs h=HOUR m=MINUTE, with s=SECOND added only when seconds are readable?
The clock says h=9 m=54 s=49
